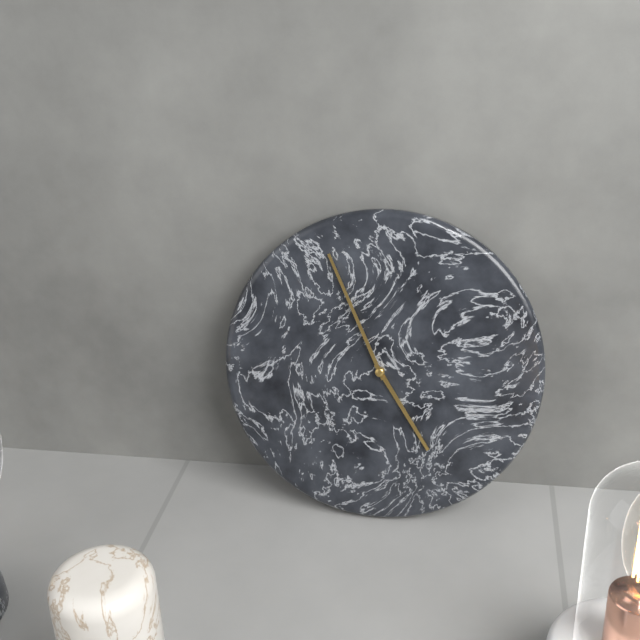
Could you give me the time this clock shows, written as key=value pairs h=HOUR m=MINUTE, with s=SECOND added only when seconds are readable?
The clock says h=4 m=56
